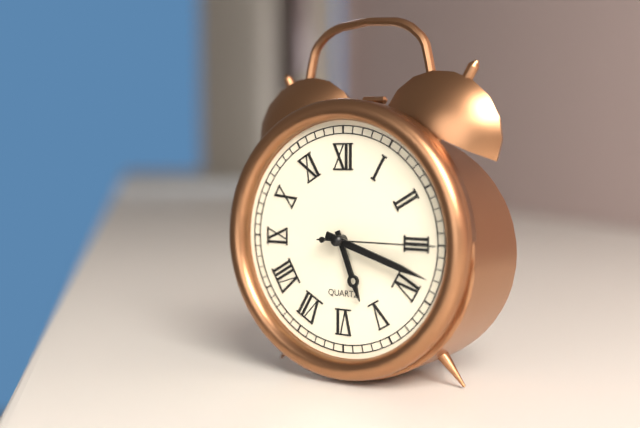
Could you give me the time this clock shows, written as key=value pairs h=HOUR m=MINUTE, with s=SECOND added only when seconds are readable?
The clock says h=5 m=18 s=15
